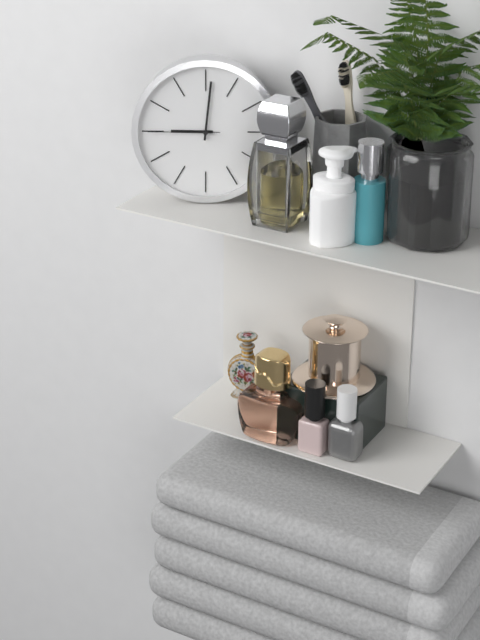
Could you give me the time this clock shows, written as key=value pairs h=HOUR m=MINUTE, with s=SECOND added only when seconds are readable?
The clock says h=9 m=1 s=45
